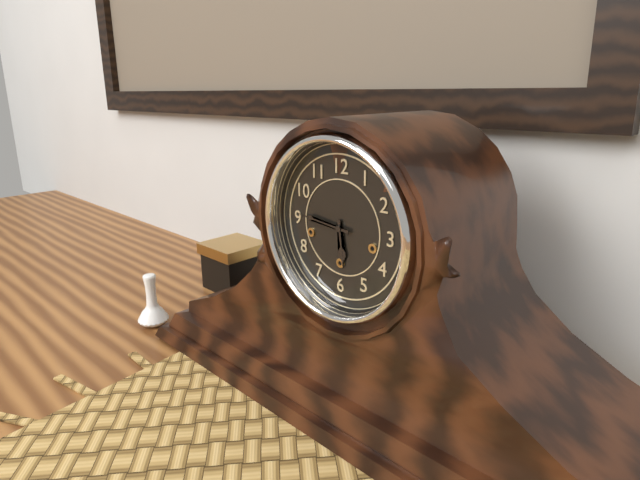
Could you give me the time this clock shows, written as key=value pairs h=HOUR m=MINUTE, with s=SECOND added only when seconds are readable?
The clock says h=5 m=46
